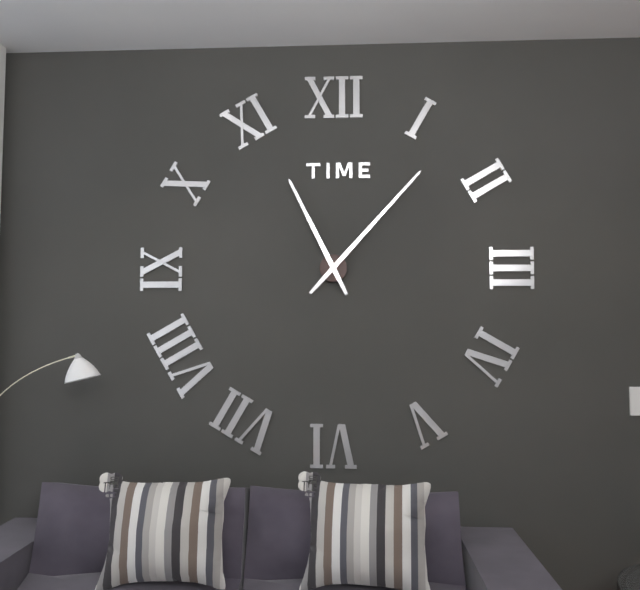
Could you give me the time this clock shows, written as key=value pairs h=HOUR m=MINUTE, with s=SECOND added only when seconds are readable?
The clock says h=11 m=7
